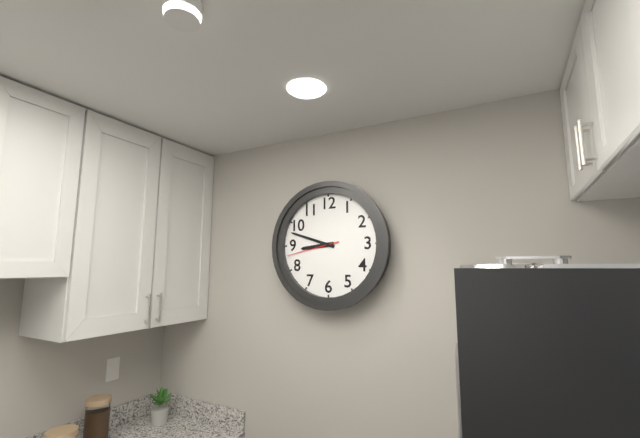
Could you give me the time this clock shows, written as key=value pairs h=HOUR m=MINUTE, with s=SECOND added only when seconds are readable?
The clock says h=8 m=48 s=43
